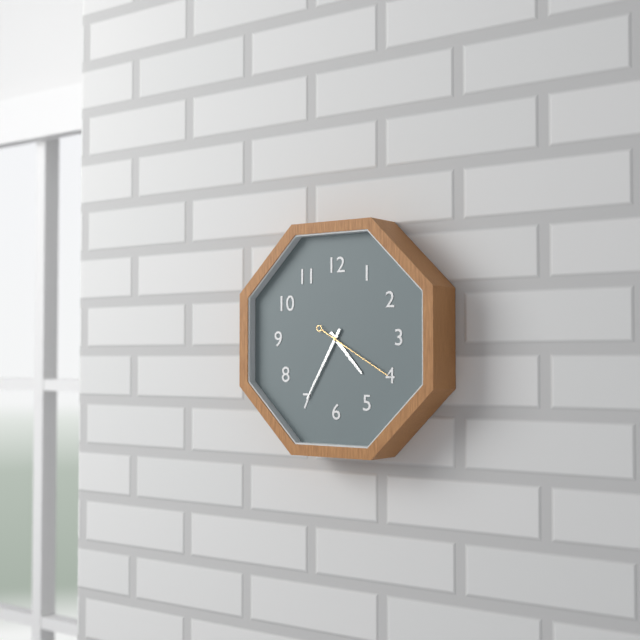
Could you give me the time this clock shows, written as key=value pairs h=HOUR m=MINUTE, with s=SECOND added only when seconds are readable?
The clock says h=4 m=35 s=20
